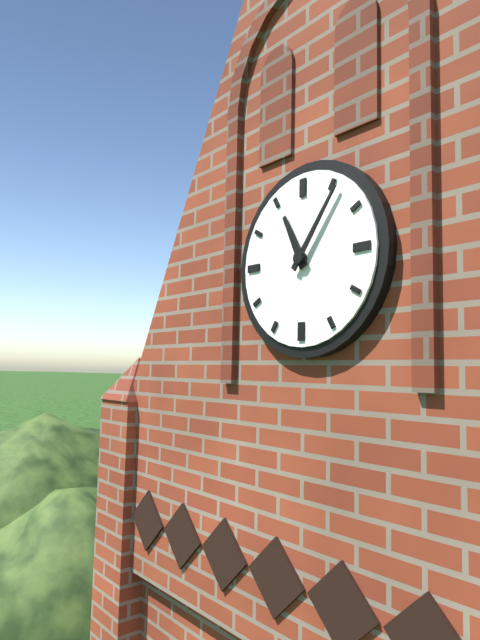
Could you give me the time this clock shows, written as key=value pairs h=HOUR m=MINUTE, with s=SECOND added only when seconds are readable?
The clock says h=11 m=6
